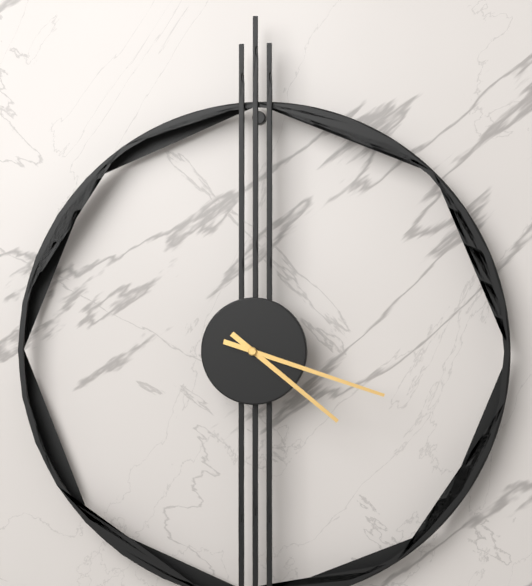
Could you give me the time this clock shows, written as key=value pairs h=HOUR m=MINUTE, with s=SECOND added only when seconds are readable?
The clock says h=4 m=18
